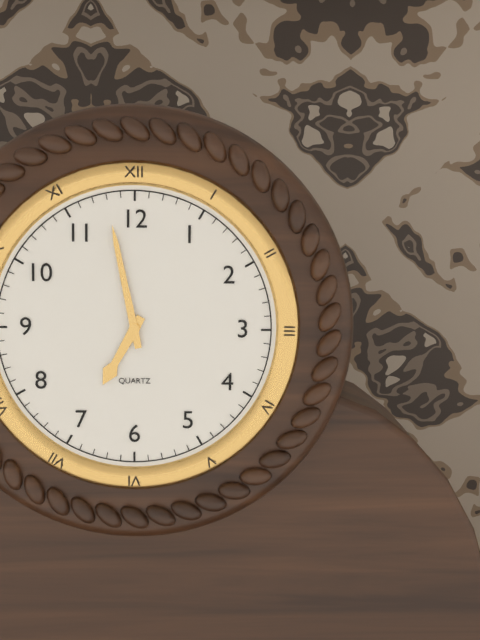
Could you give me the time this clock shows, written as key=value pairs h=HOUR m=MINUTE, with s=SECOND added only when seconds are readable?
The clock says h=6 m=58
